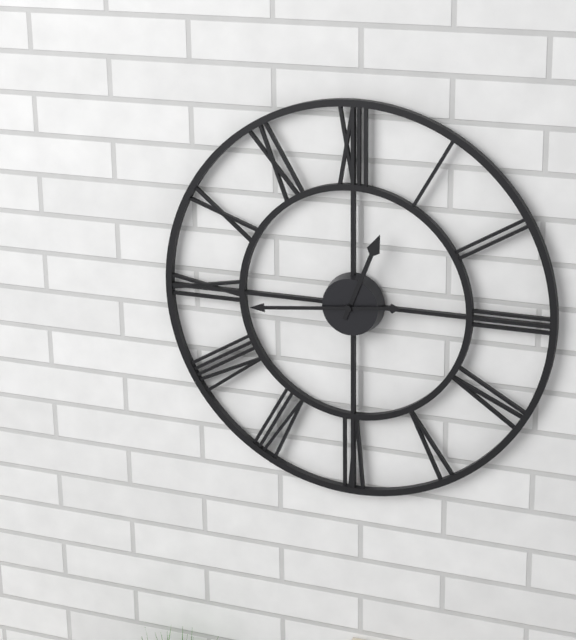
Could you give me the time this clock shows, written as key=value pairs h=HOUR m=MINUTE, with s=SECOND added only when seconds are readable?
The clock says h=12 m=44
